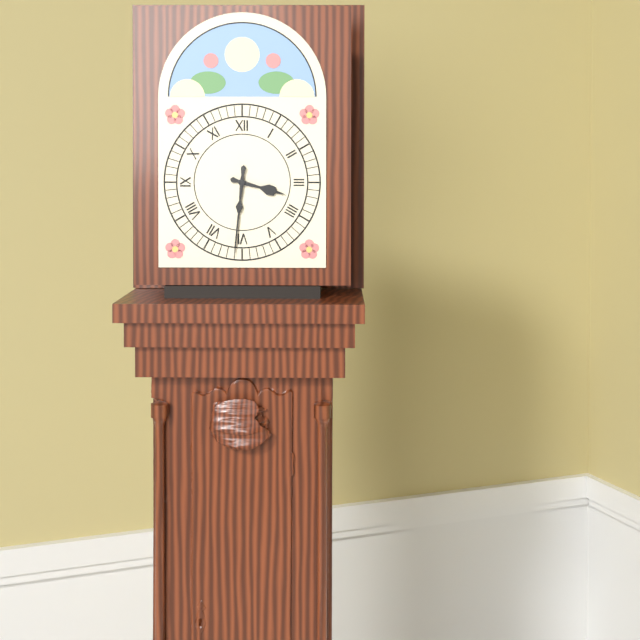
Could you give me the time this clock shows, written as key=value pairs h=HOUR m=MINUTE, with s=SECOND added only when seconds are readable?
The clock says h=3 m=31
